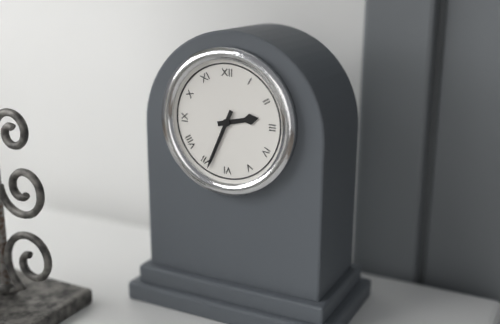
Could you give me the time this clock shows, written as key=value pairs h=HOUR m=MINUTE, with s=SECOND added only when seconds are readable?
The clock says h=2 m=34
